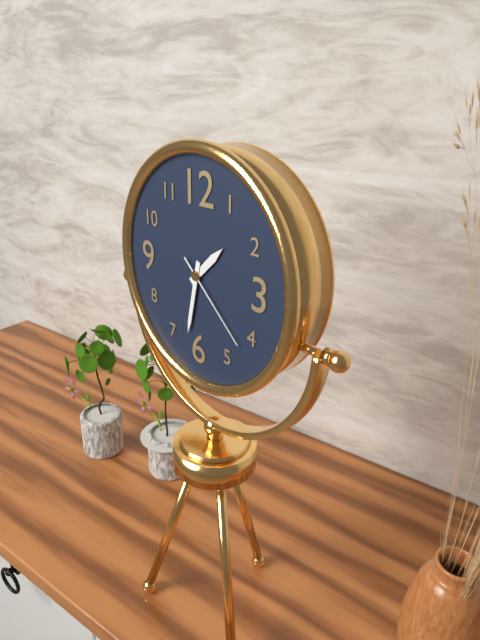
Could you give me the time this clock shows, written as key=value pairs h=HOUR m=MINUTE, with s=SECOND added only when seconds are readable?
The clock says h=1 m=32 s=22
